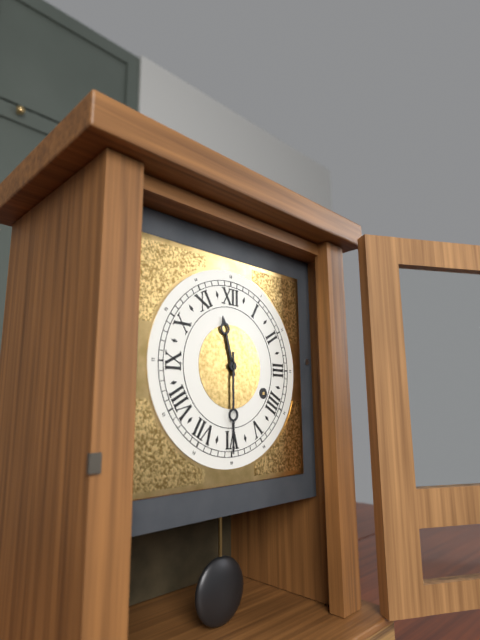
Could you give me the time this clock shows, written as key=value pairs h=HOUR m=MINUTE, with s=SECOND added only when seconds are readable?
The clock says h=11 m=30
